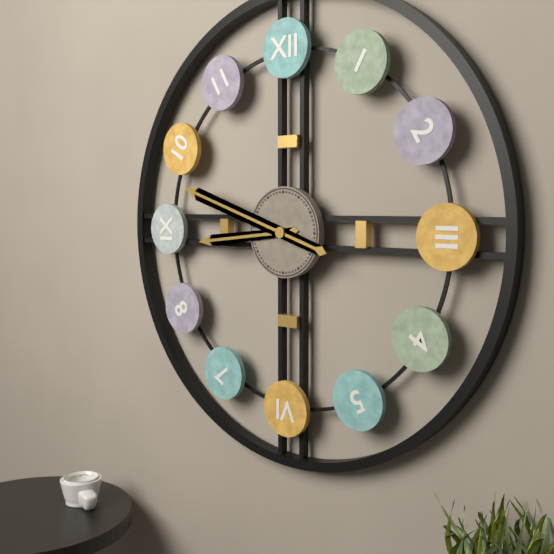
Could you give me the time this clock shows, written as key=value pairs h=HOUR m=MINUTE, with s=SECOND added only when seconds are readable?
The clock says h=8 m=48
